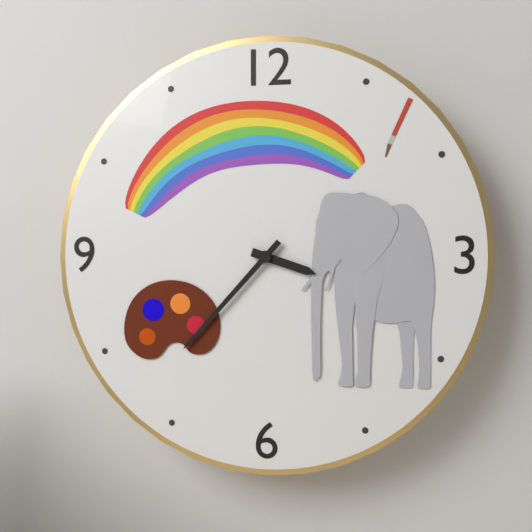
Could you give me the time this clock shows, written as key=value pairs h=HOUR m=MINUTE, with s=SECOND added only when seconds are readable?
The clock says h=3 m=37
